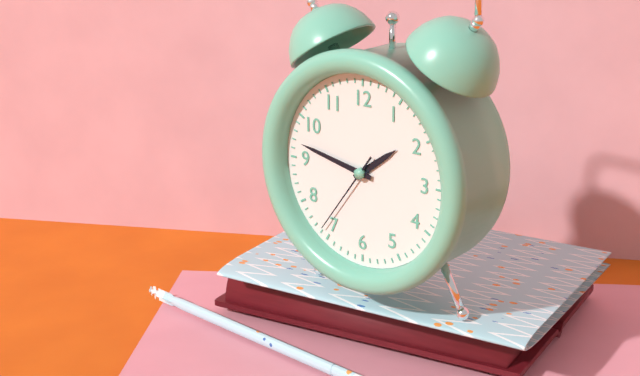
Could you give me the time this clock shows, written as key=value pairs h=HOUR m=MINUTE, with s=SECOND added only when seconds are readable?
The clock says h=1 m=47 s=36
